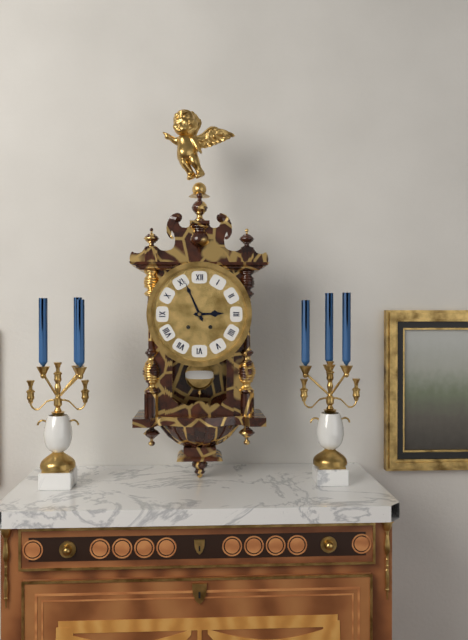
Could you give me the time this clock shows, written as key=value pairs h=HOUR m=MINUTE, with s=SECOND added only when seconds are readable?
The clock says h=2 m=56
